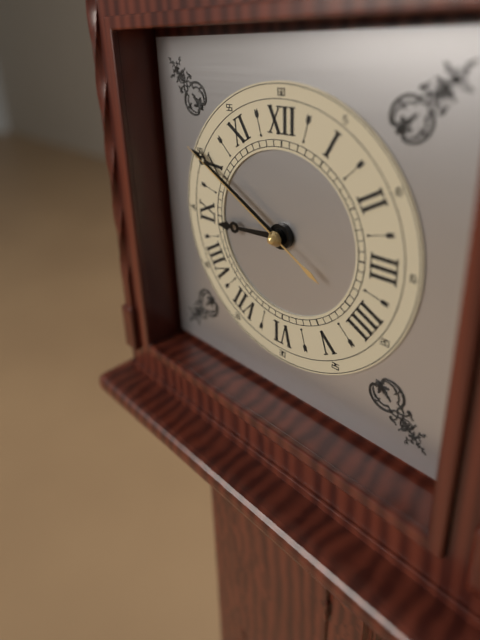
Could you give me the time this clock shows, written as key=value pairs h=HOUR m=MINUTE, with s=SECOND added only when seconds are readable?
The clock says h=8 m=50 s=50
